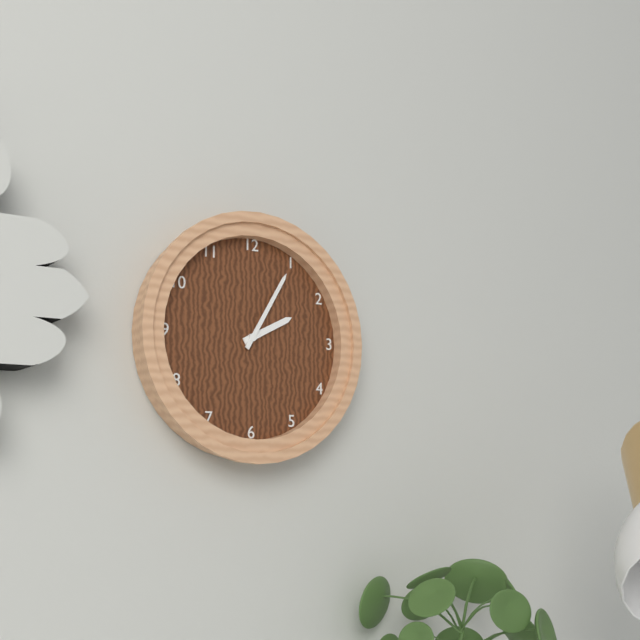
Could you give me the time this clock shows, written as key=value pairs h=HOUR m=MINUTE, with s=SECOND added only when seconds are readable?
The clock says h=2 m=5
